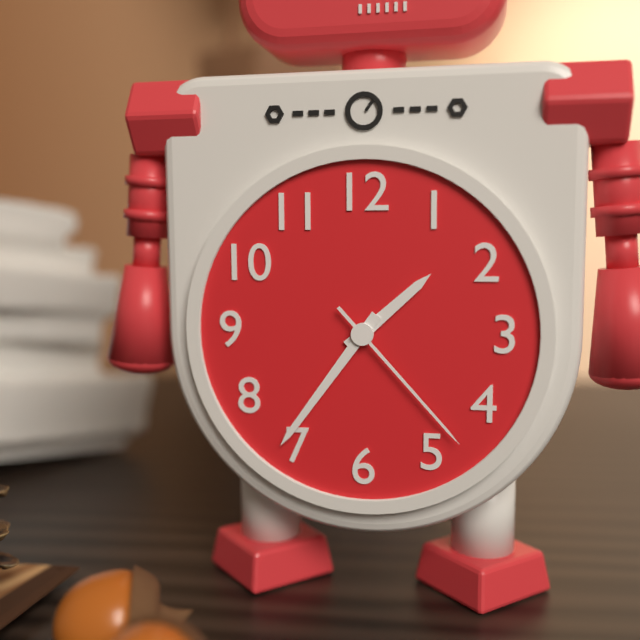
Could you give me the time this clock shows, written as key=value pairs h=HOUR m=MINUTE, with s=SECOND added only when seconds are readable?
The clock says h=1 m=36 s=23
